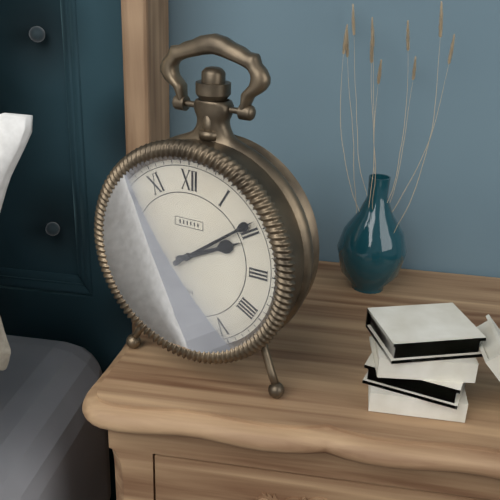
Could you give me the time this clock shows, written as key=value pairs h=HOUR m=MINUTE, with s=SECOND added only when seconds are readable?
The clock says h=2 m=9
